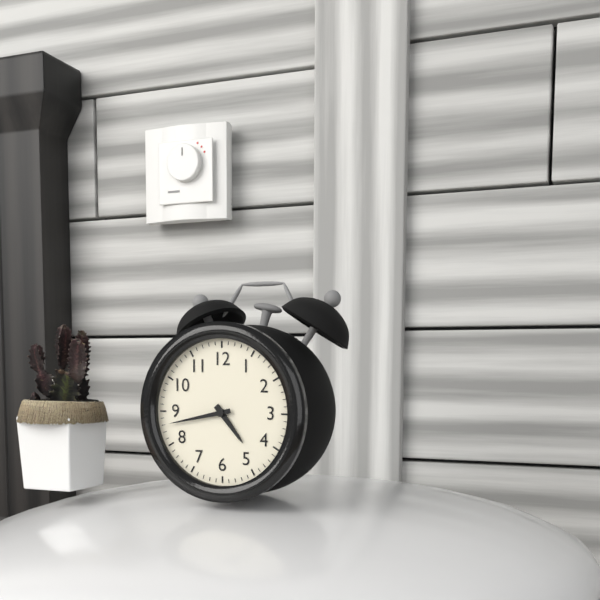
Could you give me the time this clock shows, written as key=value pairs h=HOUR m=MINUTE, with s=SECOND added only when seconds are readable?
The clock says h=4 m=43
